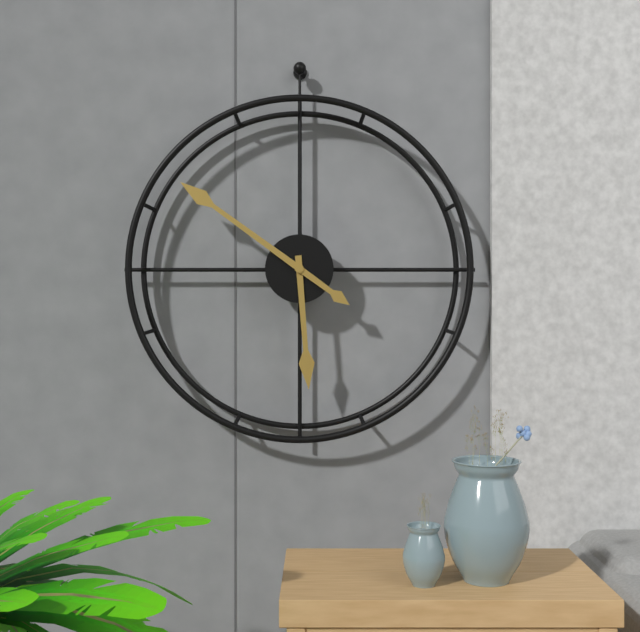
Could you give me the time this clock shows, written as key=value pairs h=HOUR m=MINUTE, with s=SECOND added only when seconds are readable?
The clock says h=5 m=51
